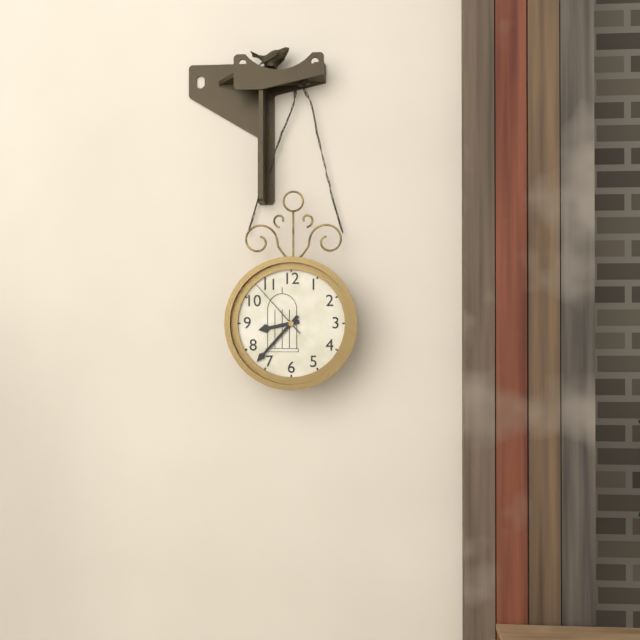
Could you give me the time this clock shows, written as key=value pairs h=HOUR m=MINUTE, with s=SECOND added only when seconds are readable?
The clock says h=8 m=37 s=53
